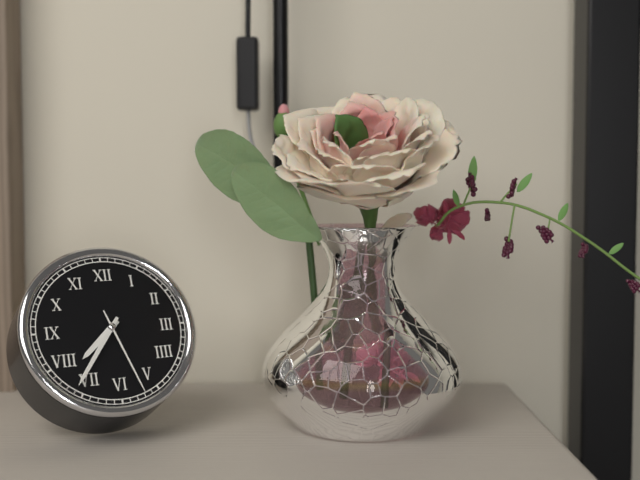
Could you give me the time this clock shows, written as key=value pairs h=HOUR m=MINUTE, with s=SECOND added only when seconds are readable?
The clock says h=7 m=36 s=27
